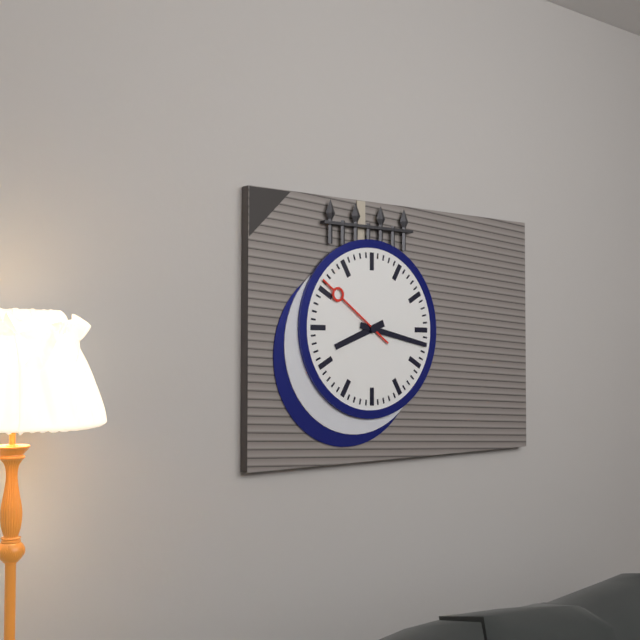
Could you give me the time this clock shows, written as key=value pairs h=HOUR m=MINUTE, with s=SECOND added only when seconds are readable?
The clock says h=8 m=17 s=51
